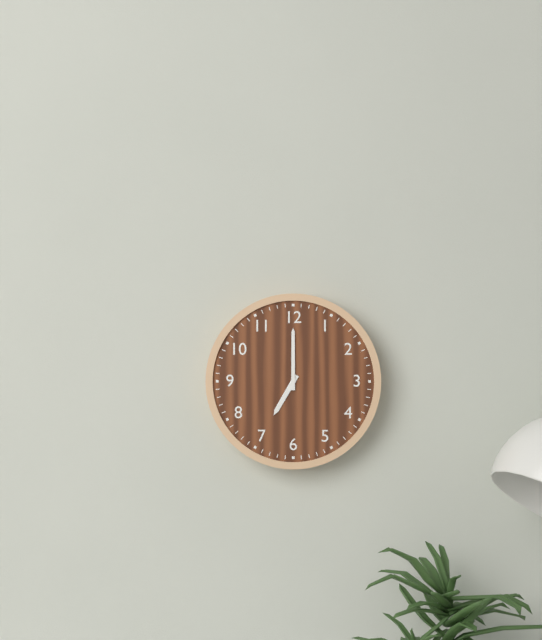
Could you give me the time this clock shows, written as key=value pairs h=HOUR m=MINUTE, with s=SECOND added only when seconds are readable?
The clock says h=7 m=0
